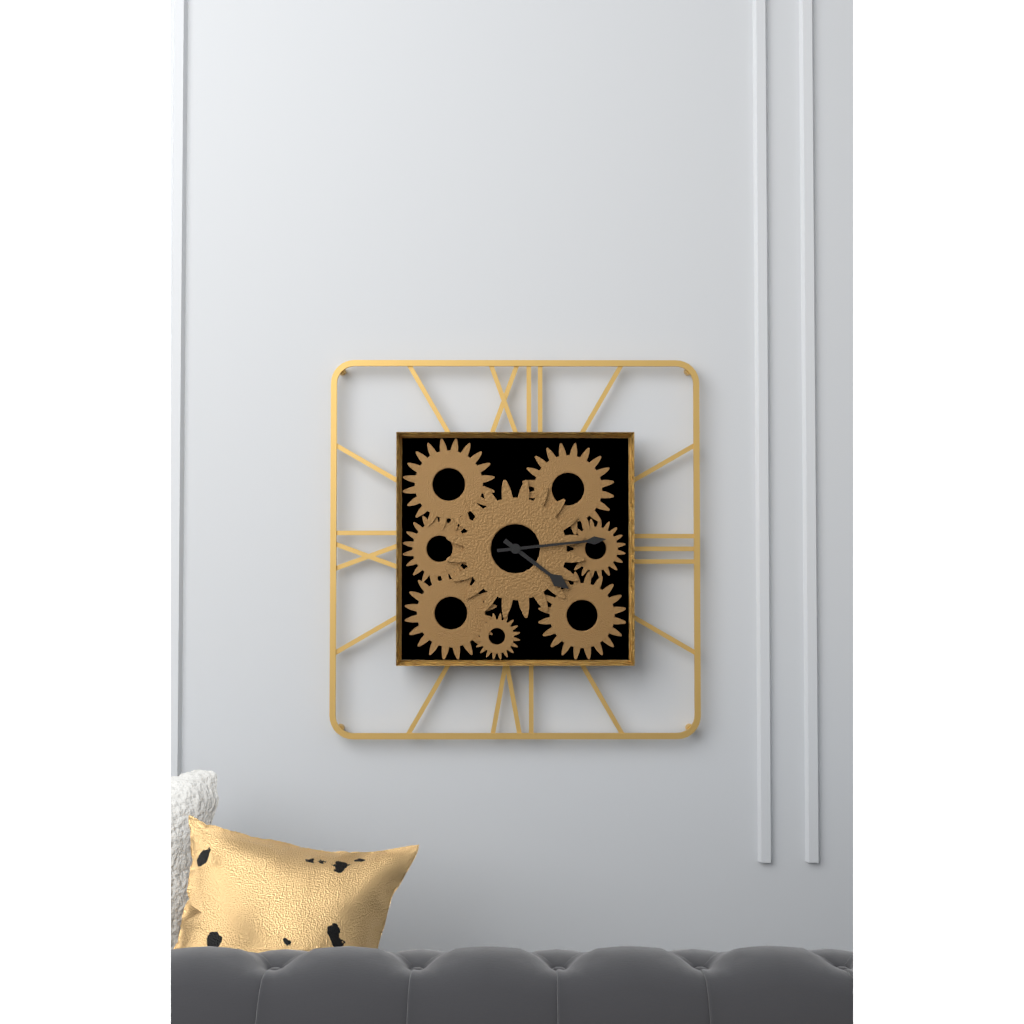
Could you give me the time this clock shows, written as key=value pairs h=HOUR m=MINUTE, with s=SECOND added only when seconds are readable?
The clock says h=4 m=14
